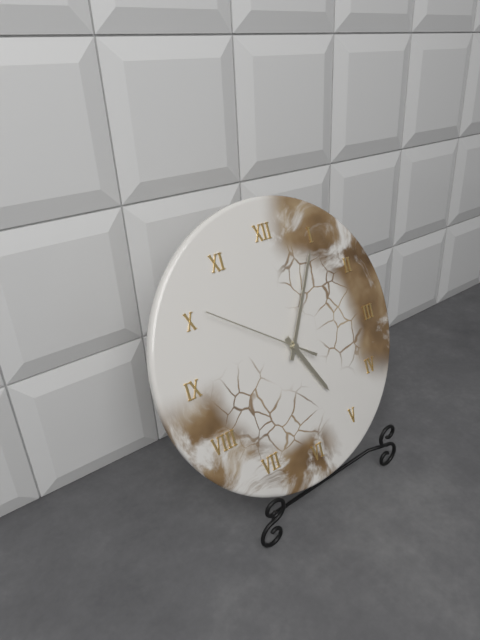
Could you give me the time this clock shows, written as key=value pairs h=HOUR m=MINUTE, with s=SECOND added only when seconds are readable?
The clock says h=5 m=5 s=51
